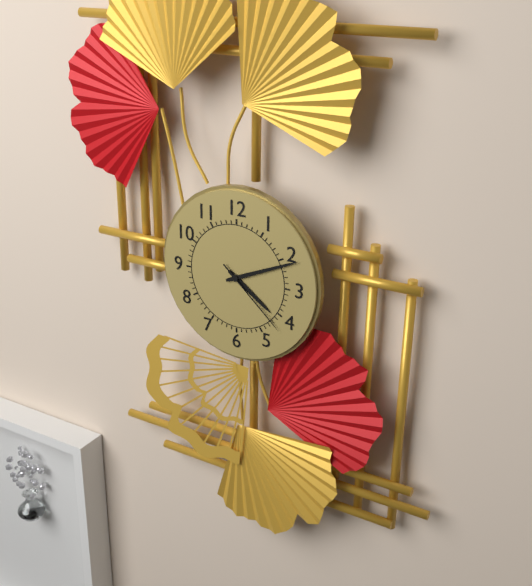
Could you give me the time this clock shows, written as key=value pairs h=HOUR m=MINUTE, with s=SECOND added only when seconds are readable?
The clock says h=4 m=11 s=22
